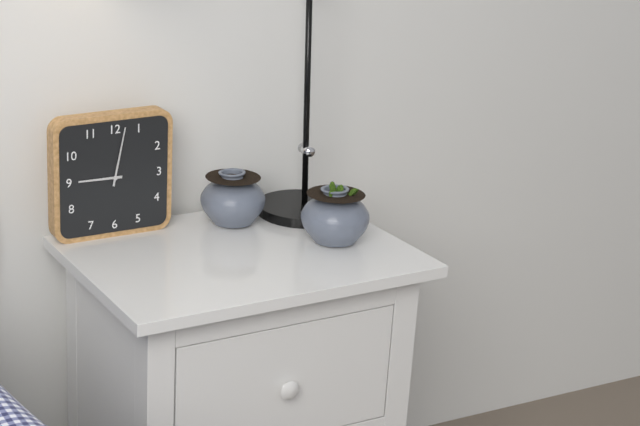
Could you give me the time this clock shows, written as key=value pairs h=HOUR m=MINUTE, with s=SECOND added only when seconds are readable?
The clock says h=9 m=2
